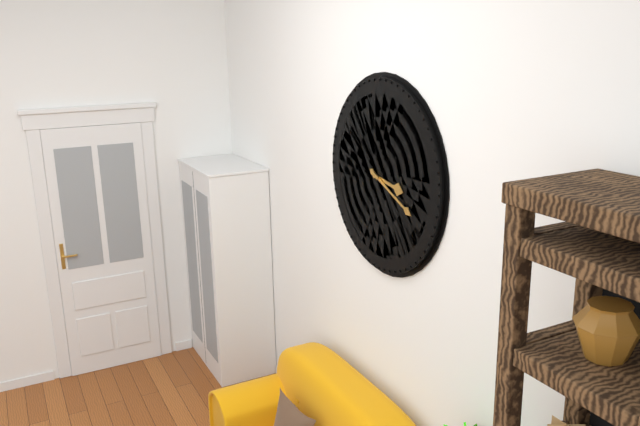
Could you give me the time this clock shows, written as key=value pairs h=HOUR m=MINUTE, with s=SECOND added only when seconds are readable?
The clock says h=3 m=19
